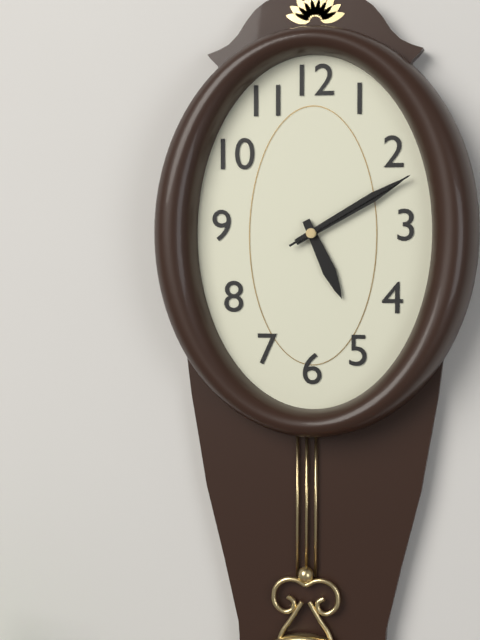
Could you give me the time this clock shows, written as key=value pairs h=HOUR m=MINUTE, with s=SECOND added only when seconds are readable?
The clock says h=5 m=10 s=10
